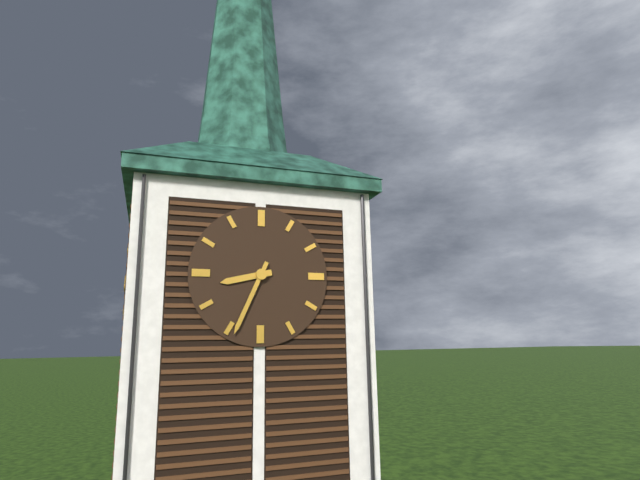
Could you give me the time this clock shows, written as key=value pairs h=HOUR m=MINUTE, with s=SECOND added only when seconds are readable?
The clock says h=8 m=34
